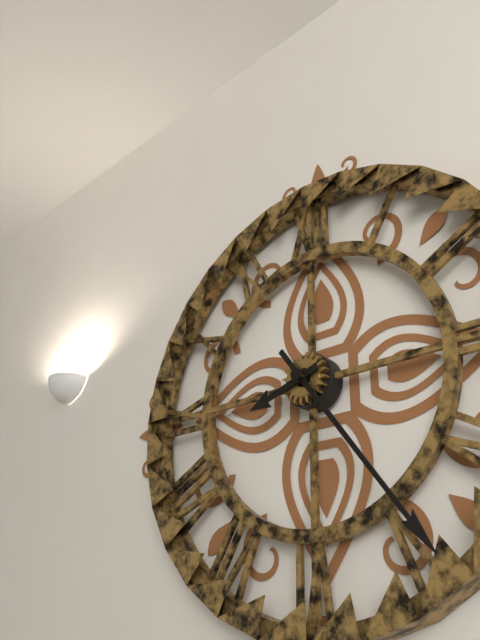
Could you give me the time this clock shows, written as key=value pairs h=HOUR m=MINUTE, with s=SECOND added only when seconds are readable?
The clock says h=8 m=24
